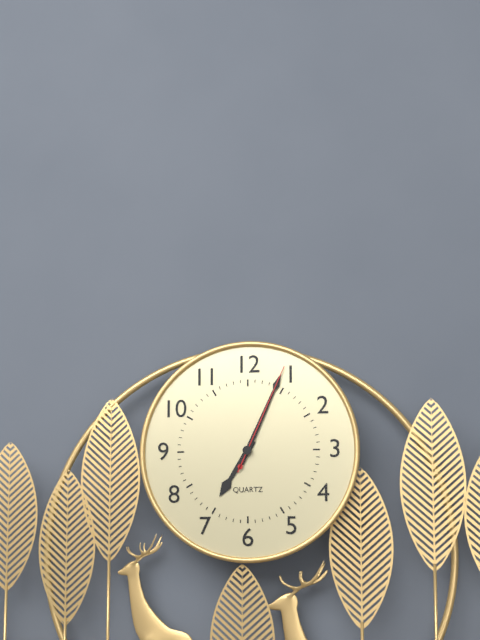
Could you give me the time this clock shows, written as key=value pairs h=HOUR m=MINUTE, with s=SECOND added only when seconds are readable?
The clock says h=7 m=4 s=4
